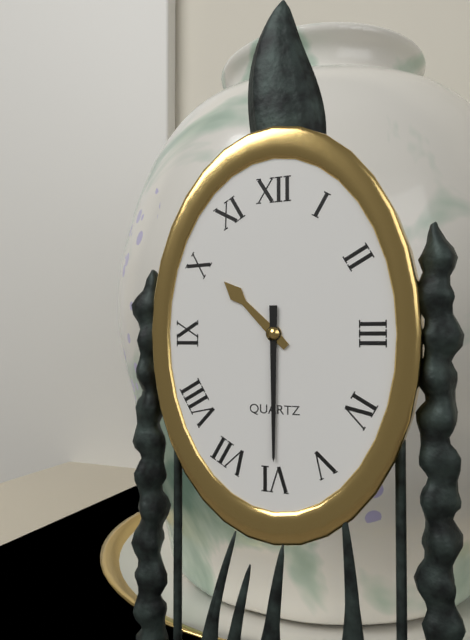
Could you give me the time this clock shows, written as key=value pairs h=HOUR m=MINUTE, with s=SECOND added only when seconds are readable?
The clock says h=10 m=30
